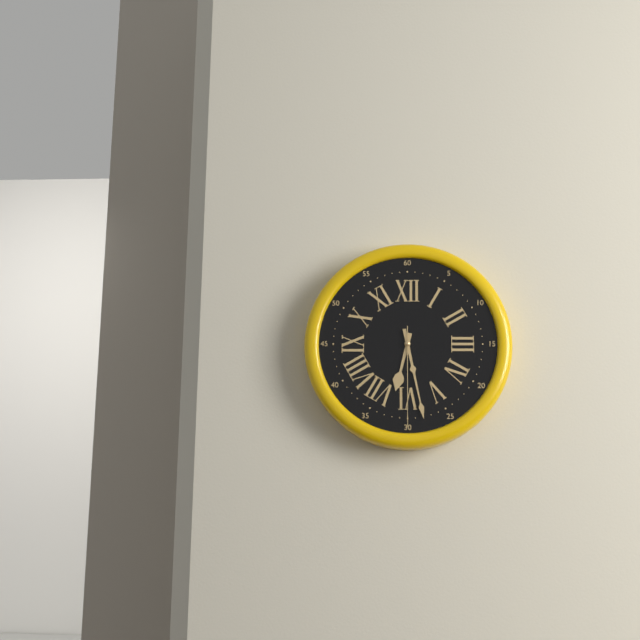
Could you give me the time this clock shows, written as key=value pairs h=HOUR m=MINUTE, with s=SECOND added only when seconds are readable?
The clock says h=6 m=28 s=30
